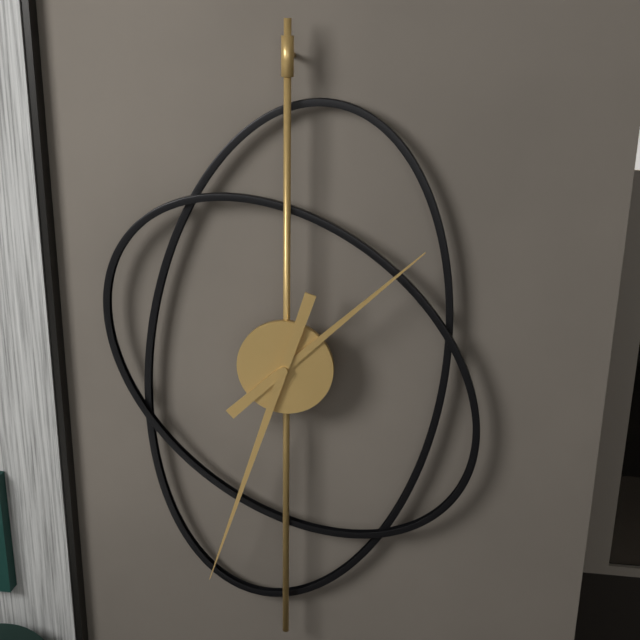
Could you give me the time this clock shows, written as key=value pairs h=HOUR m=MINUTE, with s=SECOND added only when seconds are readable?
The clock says h=1 m=33
